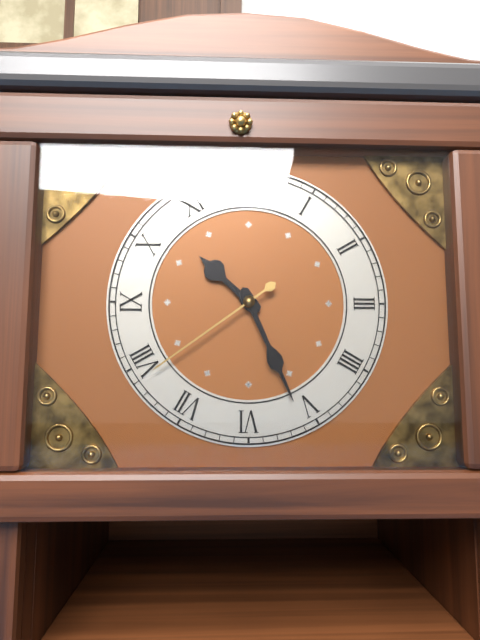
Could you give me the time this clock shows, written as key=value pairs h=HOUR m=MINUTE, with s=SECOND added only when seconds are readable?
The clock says h=10 m=26 s=39
